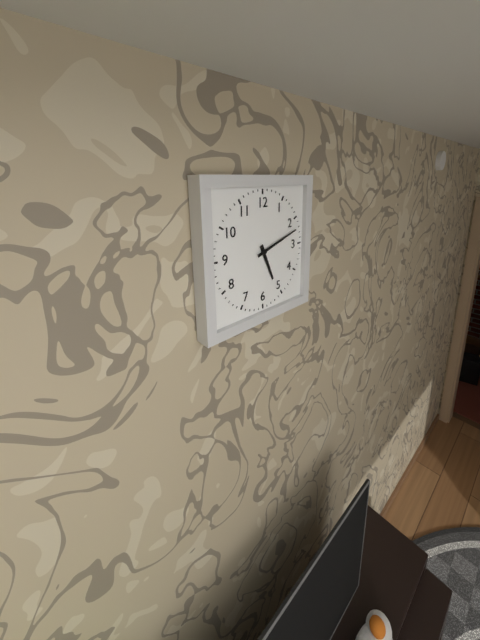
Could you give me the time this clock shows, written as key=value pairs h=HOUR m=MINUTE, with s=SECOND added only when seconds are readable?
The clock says h=5 m=12
